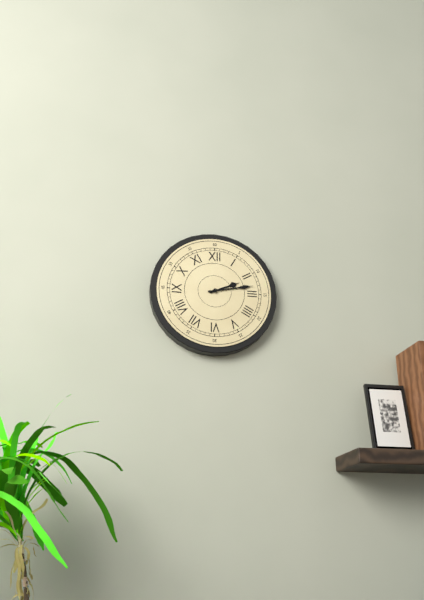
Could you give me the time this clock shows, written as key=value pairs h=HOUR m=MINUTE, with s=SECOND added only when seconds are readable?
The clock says h=2 m=13
